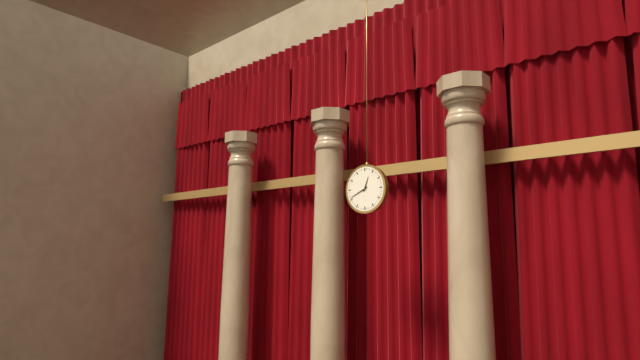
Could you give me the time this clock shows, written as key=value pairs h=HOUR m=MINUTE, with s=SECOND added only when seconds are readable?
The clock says h=12 m=41
